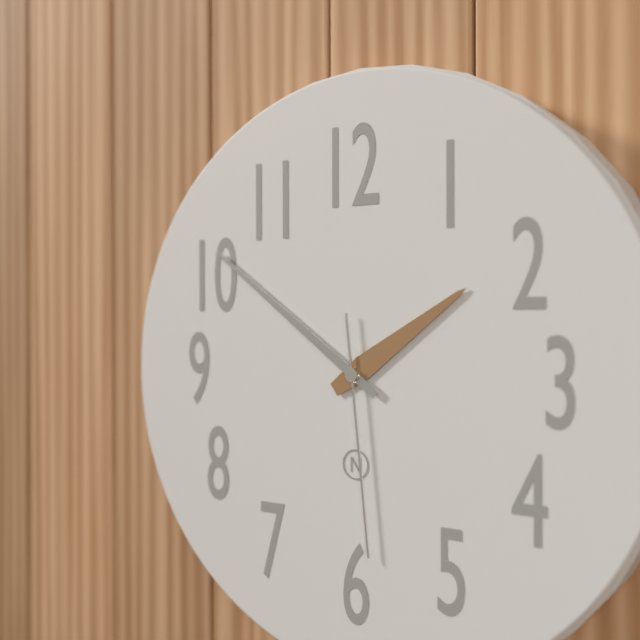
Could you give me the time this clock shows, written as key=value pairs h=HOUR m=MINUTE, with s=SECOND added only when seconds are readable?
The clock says h=1 m=51 s=29
